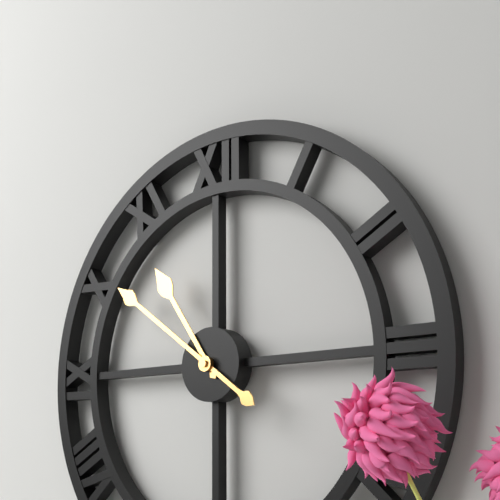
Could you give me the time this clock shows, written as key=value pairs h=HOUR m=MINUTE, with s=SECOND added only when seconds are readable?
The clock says h=10 m=51
